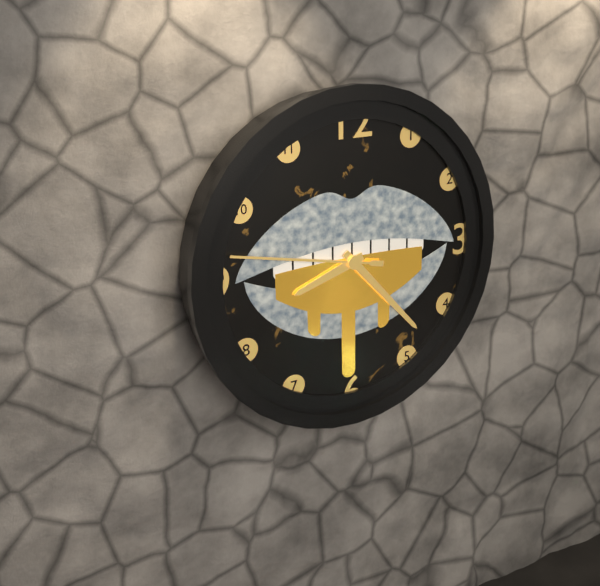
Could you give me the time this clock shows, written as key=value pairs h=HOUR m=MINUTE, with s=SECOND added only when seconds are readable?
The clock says h=8 m=23 s=47
